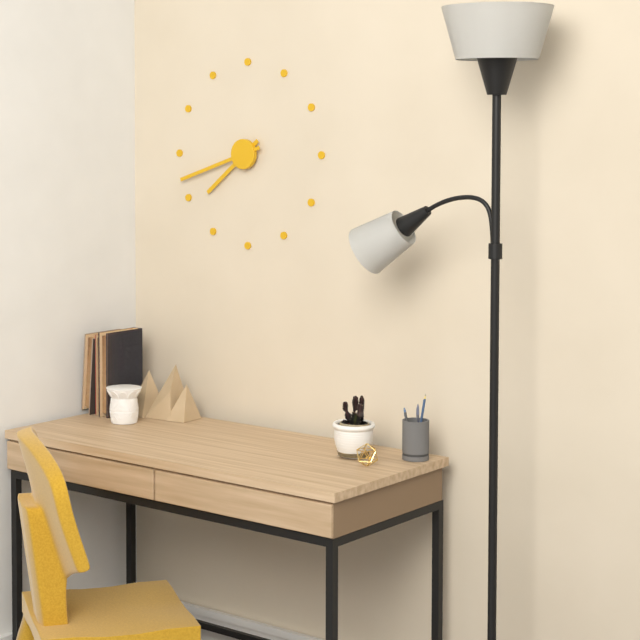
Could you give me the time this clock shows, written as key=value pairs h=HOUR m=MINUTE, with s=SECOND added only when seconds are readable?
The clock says h=7 m=42
